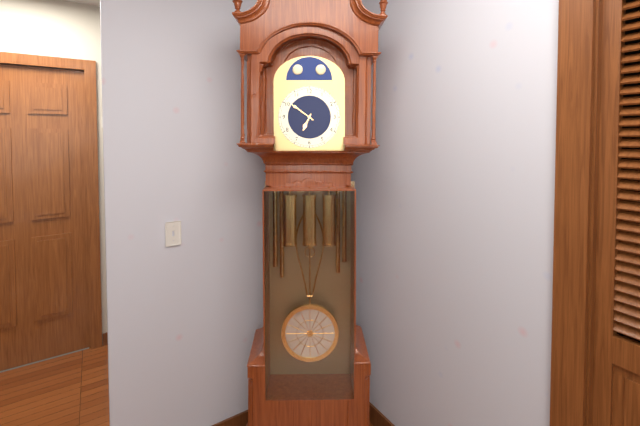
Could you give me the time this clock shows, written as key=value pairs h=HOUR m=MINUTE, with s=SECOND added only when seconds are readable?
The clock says h=6 m=51
